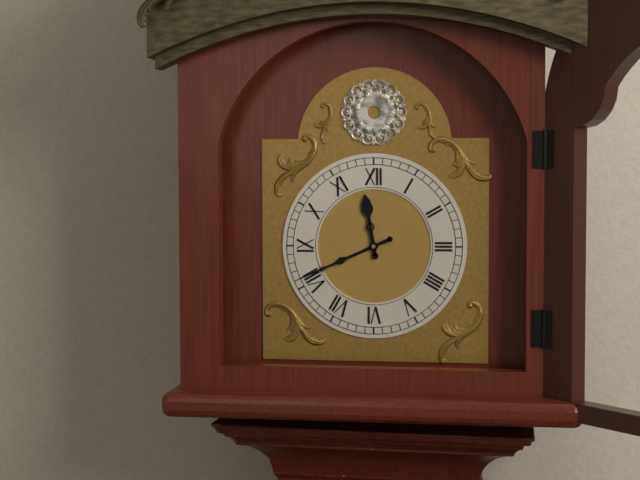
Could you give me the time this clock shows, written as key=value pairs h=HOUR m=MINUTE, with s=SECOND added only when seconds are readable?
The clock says h=11 m=41
